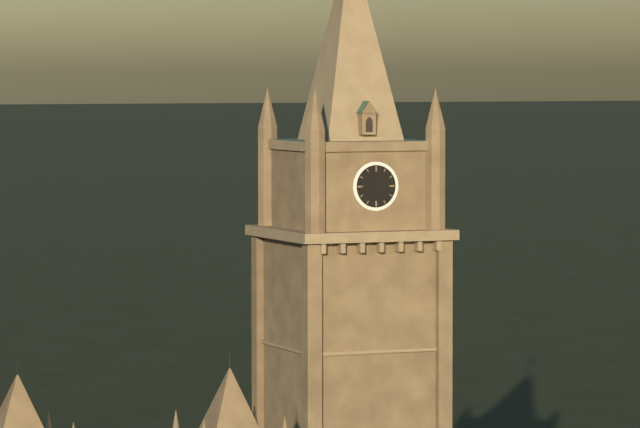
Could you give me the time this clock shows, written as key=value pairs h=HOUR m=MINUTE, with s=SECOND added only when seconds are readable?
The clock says h=10 m=46
